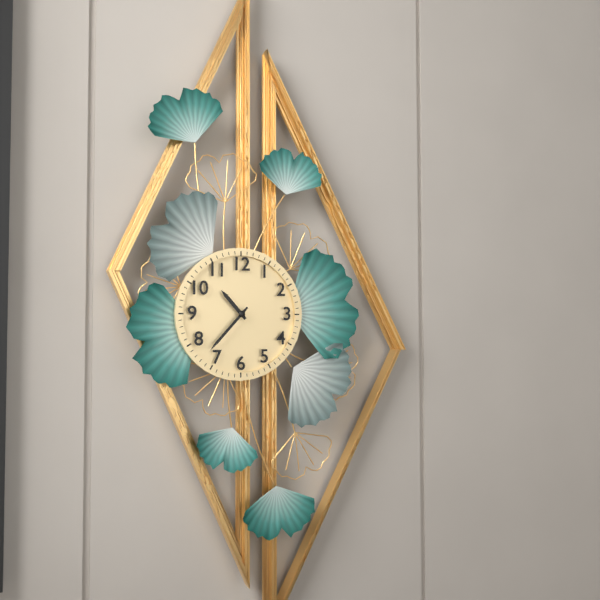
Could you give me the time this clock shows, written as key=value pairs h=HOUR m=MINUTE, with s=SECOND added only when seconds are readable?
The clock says h=10 m=37
